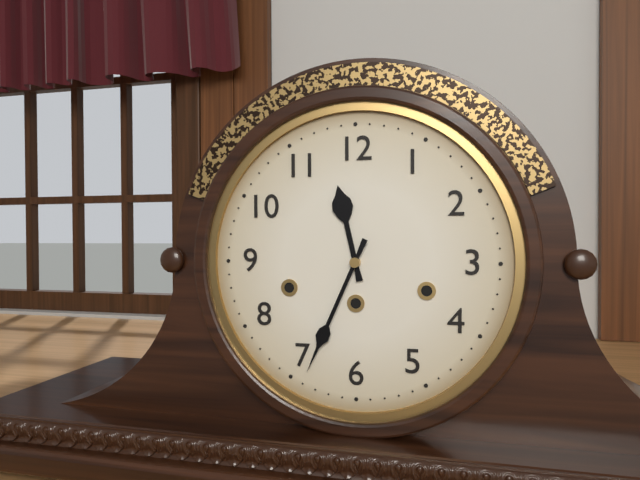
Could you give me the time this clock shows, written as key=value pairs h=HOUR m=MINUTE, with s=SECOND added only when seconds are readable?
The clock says h=11 m=34
